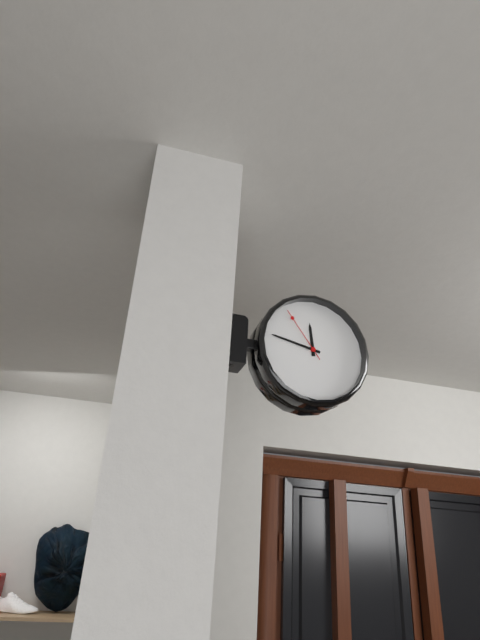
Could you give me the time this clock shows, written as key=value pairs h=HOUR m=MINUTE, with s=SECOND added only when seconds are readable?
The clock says h=11 m=47 s=54
